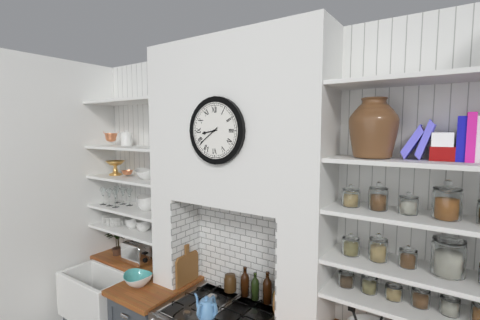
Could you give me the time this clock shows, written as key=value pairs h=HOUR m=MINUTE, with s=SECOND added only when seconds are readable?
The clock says h=8 m=39
